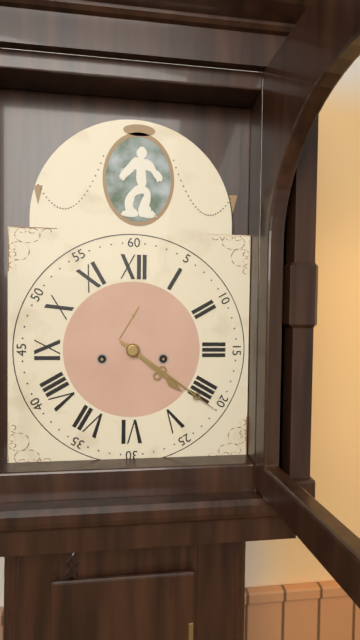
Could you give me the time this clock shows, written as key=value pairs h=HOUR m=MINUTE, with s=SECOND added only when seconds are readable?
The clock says h=4 m=21
